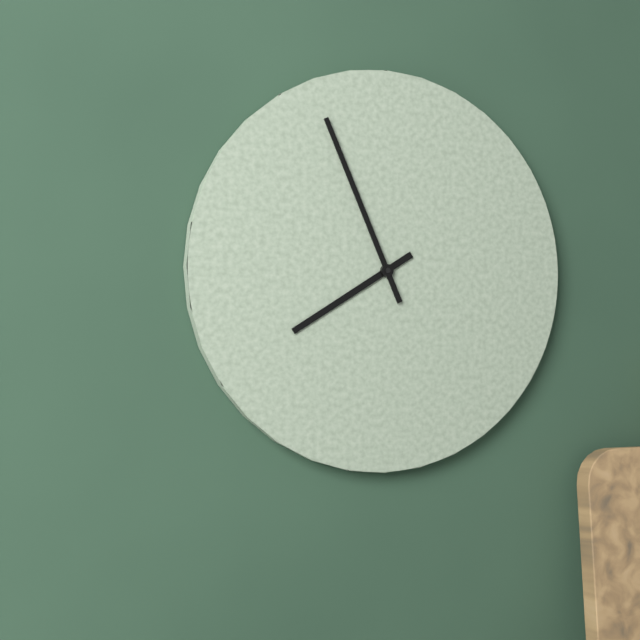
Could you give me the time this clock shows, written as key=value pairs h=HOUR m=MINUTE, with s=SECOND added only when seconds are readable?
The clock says h=7 m=56
